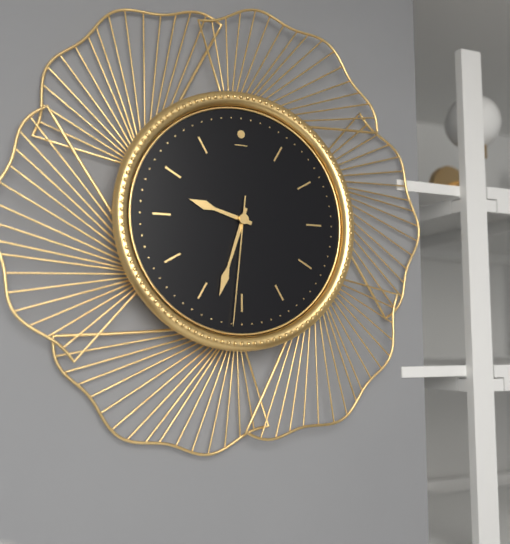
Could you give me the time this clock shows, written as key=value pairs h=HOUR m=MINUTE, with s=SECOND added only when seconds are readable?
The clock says h=9 m=33 s=31
